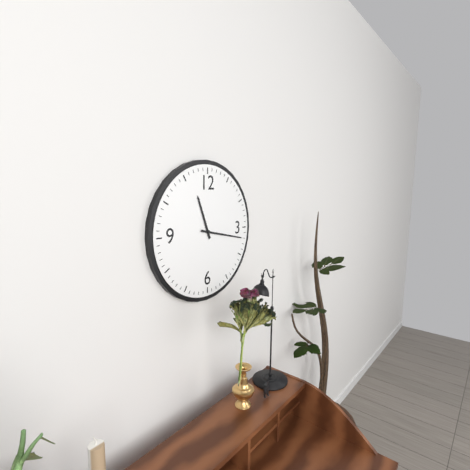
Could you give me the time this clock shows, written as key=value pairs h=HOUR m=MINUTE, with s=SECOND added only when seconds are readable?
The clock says h=11 m=17
